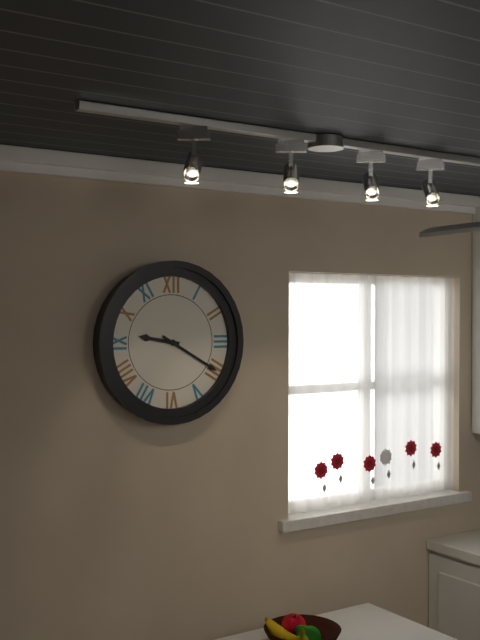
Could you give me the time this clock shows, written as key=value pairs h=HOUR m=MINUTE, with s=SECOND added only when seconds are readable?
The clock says h=9 m=20
